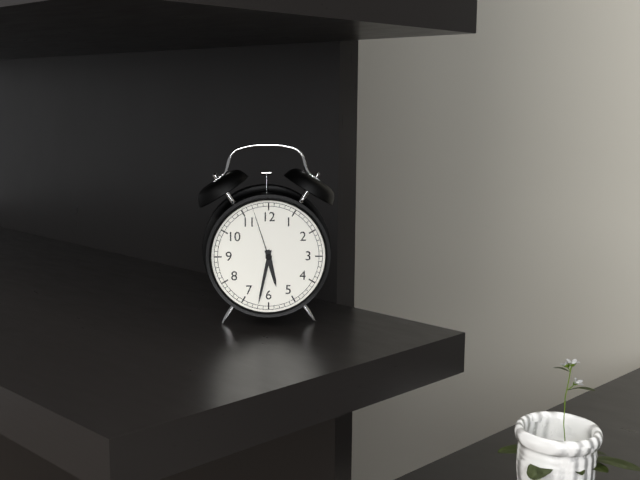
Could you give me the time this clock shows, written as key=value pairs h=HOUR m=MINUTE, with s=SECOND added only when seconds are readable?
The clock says h=5 m=32 s=57
